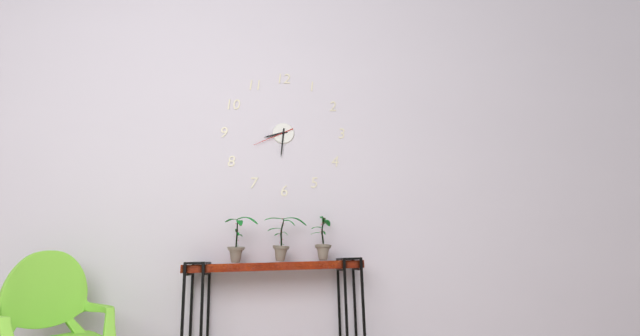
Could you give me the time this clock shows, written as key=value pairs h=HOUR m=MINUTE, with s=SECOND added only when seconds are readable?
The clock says h=8 m=31
